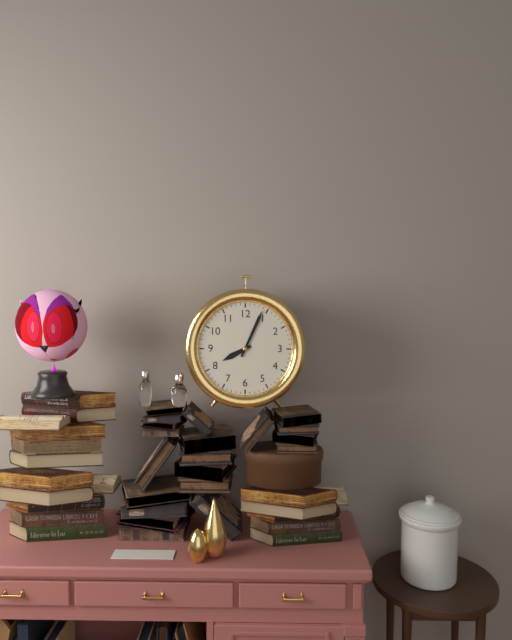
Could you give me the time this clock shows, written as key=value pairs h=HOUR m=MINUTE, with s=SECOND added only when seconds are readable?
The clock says h=8 m=4
